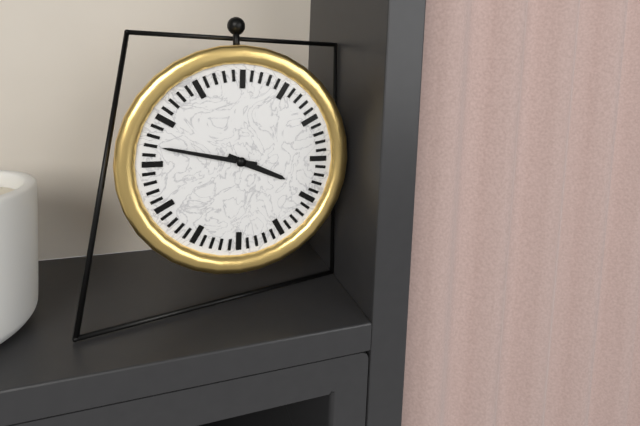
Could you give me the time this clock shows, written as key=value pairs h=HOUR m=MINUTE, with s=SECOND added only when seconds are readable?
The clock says h=3 m=47
